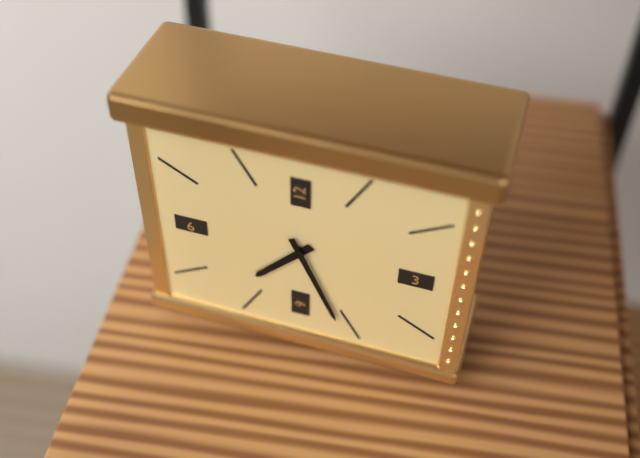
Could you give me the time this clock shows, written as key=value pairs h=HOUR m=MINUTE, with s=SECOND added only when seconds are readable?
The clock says h=7 m=26
